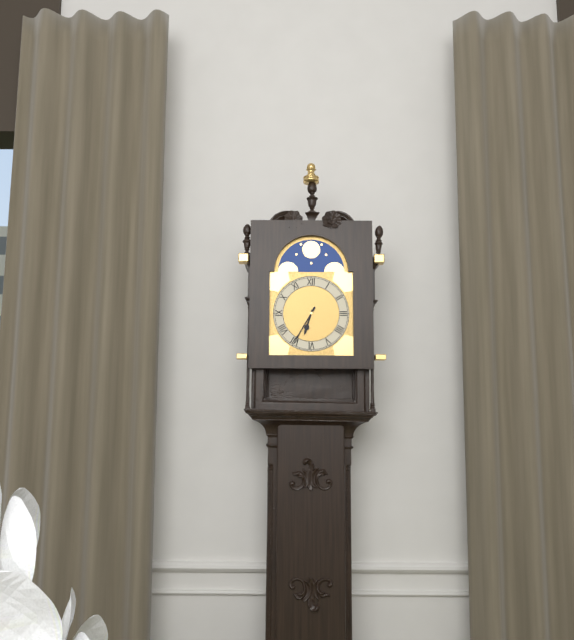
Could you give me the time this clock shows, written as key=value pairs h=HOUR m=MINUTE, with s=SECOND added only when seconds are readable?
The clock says h=6 m=35
